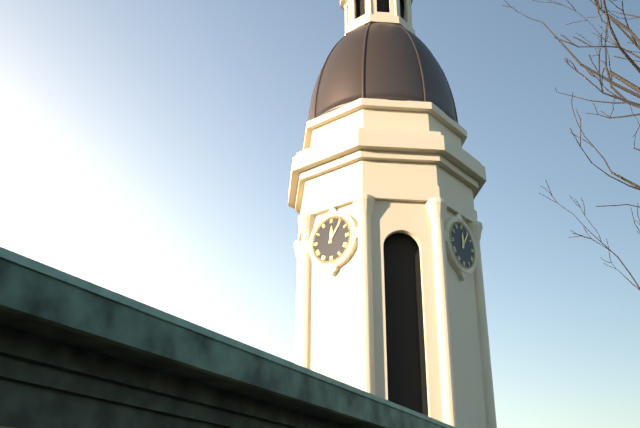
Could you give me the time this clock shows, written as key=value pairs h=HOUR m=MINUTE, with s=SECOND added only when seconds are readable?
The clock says h=12 m=6
